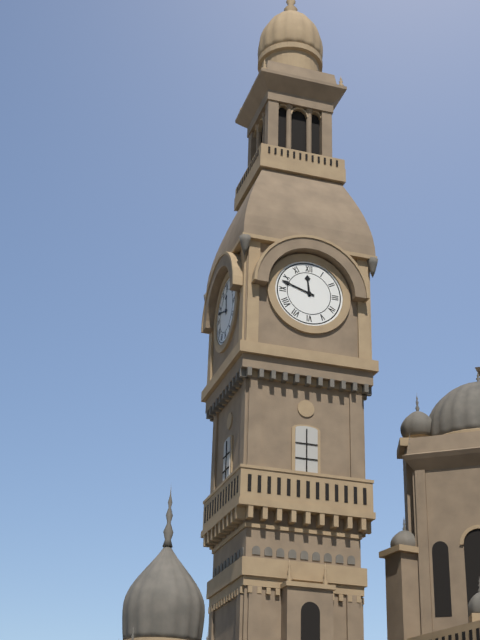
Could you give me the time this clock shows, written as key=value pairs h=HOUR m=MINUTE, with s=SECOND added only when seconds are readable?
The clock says h=11 m=48
